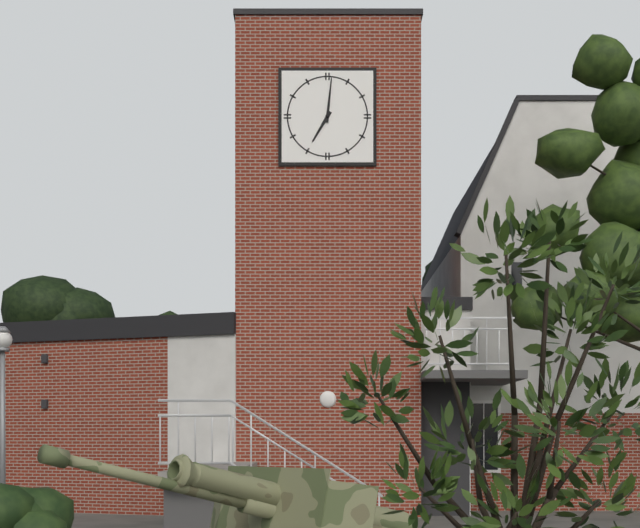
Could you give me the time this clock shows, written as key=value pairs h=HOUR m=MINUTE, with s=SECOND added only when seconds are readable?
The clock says h=7 m=1
